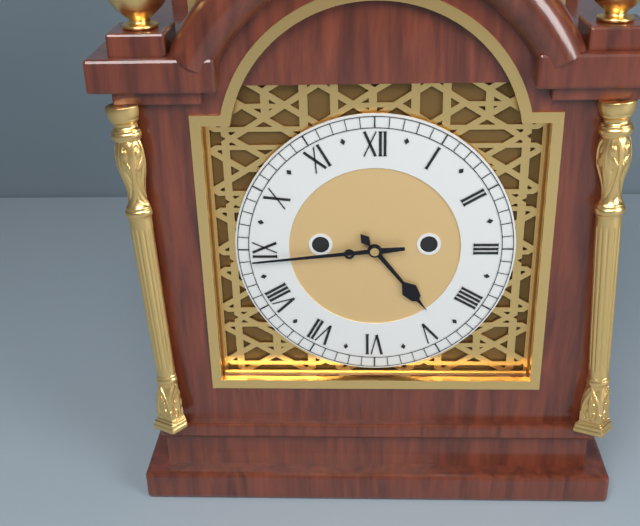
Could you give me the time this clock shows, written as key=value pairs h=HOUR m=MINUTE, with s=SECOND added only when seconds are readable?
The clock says h=4 m=44
